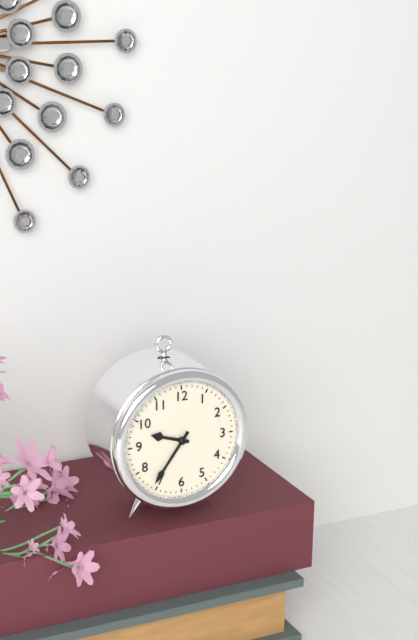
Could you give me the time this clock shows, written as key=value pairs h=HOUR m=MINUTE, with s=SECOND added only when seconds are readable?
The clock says h=9 m=36
